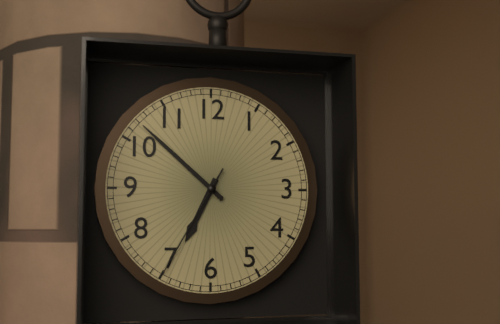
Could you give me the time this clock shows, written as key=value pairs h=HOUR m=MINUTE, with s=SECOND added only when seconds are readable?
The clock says h=6 m=52 s=35
